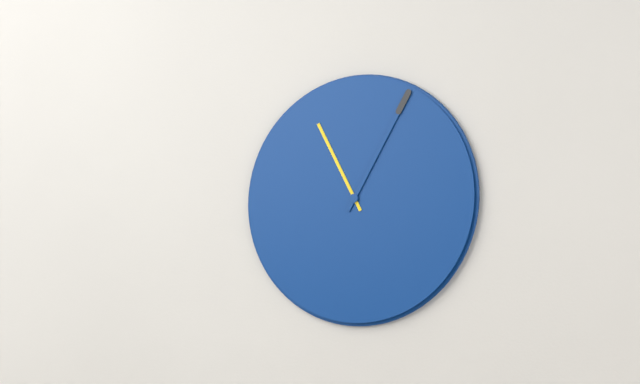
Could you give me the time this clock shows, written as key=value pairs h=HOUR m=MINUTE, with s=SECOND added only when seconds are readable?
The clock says h=11 m=5
